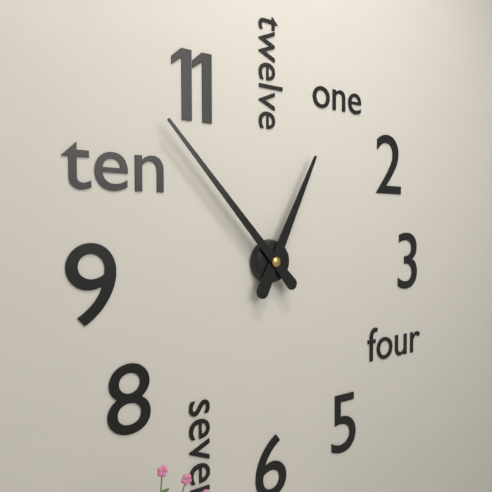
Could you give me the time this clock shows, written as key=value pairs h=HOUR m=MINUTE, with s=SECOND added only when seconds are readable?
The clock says h=12 m=53
